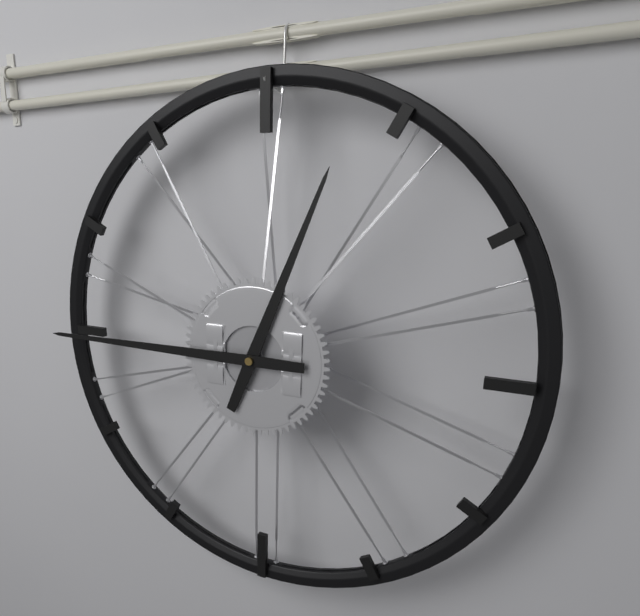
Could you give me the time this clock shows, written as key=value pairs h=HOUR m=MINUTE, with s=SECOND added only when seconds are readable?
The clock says h=12 m=45
